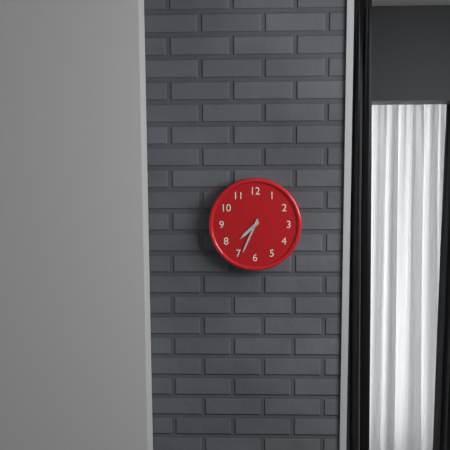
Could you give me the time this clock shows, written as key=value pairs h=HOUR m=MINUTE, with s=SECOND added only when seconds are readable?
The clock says h=7 m=34
